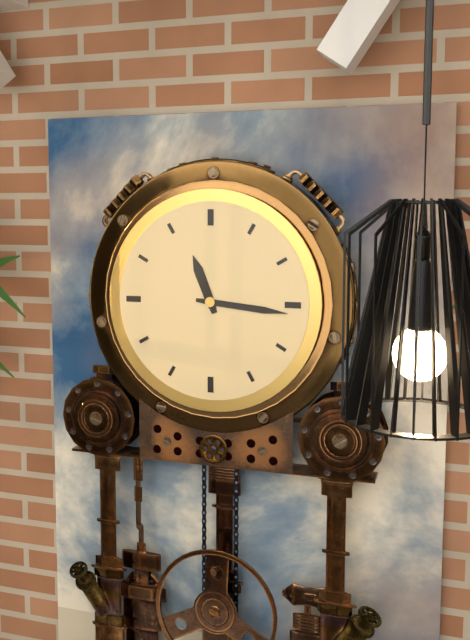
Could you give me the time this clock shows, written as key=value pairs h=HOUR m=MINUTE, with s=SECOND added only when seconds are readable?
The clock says h=11 m=16
